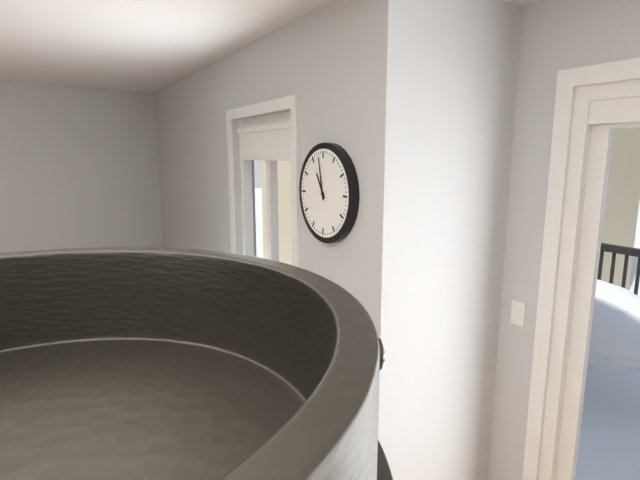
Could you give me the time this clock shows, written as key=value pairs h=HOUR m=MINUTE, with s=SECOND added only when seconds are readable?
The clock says h=10 m=58
